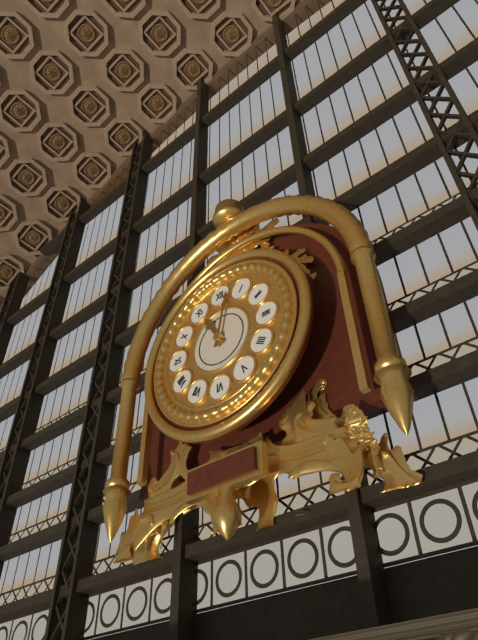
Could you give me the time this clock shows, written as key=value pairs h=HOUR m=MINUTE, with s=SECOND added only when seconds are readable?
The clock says h=11 m=2
